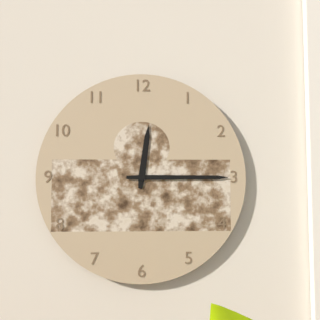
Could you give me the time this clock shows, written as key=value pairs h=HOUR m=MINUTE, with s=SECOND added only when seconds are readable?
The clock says h=12 m=15
